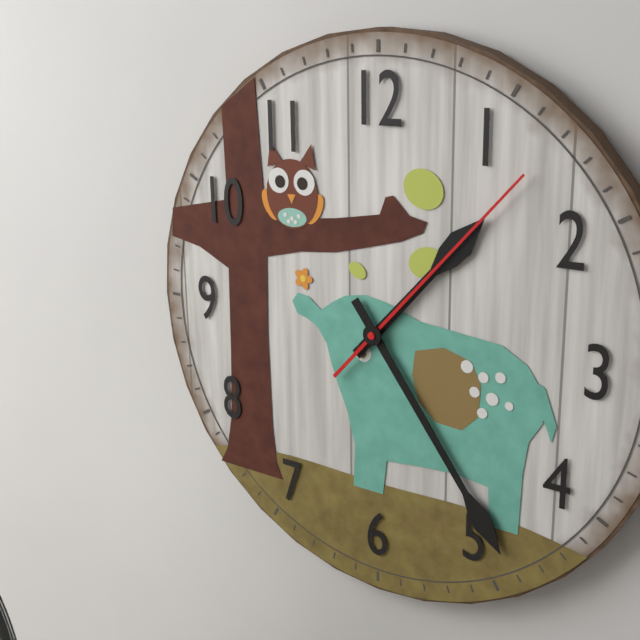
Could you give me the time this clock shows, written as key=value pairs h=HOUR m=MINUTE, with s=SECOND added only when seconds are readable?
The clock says h=1 m=24 s=7
